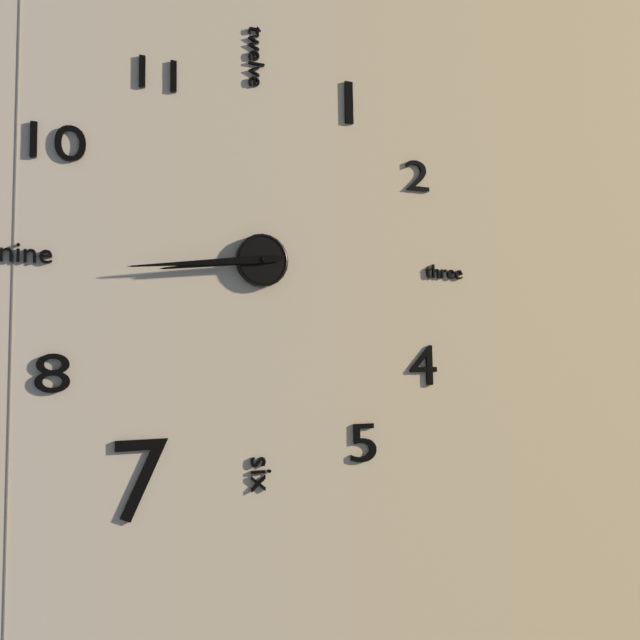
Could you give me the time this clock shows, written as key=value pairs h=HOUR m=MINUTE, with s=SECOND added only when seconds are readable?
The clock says h=8 m=44
